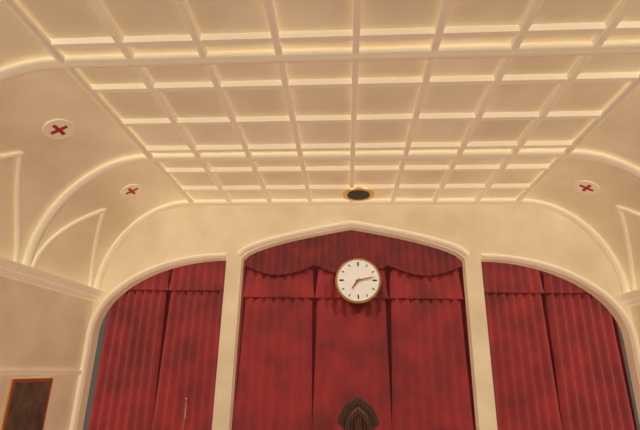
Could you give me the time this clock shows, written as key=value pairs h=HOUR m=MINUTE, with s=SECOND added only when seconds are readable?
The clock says h=7 m=13
